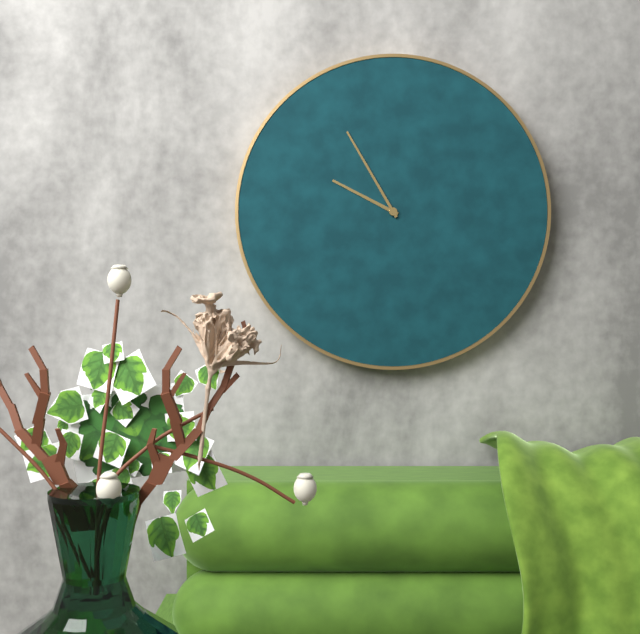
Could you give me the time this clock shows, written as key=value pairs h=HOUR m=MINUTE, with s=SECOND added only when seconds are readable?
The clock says h=9 m=55
